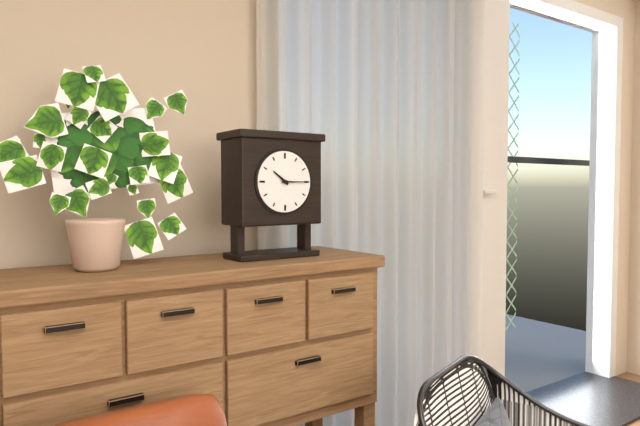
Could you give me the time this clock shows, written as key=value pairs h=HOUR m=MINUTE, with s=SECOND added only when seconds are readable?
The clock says h=10 m=15
